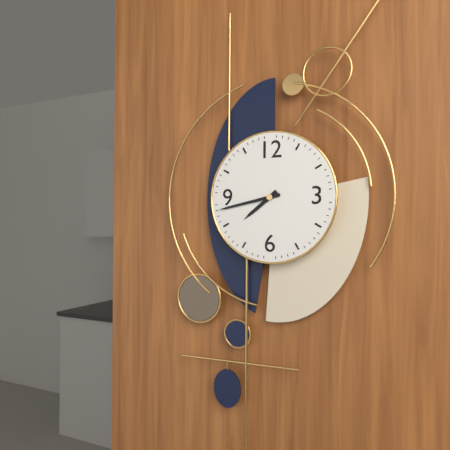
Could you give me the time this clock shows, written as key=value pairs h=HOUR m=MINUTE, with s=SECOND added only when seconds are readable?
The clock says h=7 m=43
